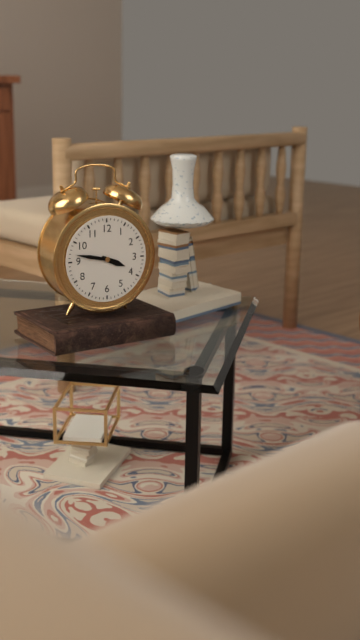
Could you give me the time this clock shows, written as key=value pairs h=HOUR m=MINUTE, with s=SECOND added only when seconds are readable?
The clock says h=3 m=47
